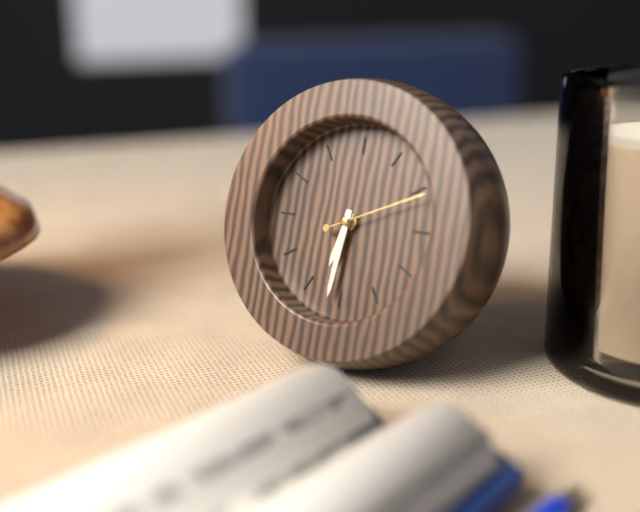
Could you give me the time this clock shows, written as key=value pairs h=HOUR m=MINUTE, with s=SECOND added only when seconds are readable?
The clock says h=6 m=31 s=11
